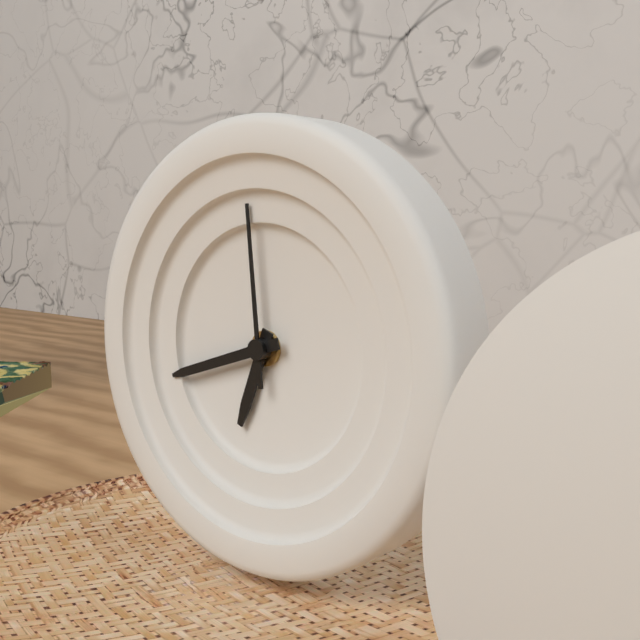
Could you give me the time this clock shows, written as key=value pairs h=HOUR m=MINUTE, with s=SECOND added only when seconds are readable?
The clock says h=6 m=42 s=59
